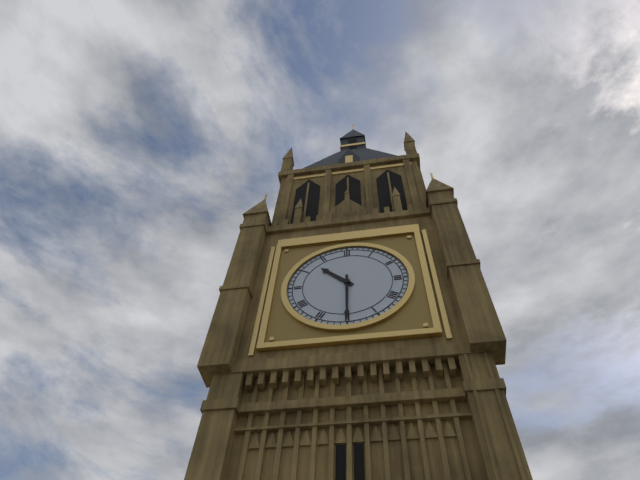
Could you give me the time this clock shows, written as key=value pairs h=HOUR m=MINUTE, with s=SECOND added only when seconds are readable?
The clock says h=10 m=30
